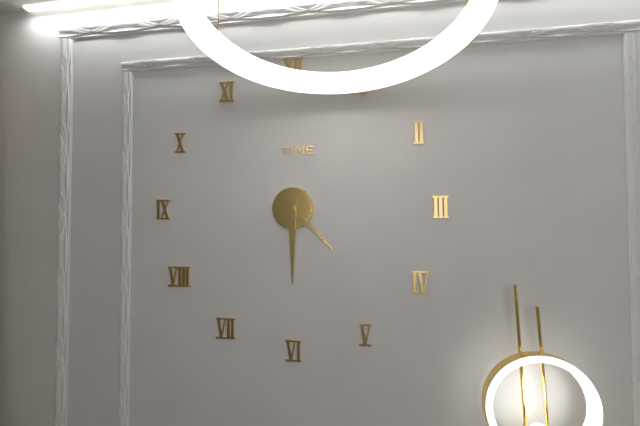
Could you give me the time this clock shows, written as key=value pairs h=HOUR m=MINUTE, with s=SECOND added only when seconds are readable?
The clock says h=4 m=30
